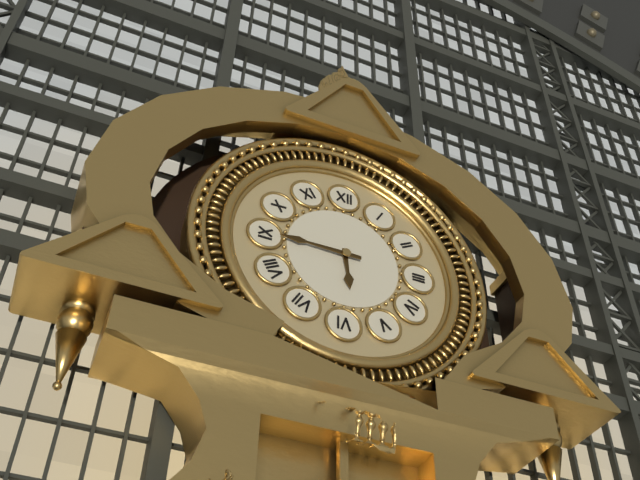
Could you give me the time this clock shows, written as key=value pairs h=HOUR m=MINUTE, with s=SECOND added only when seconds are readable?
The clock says h=5 m=45
